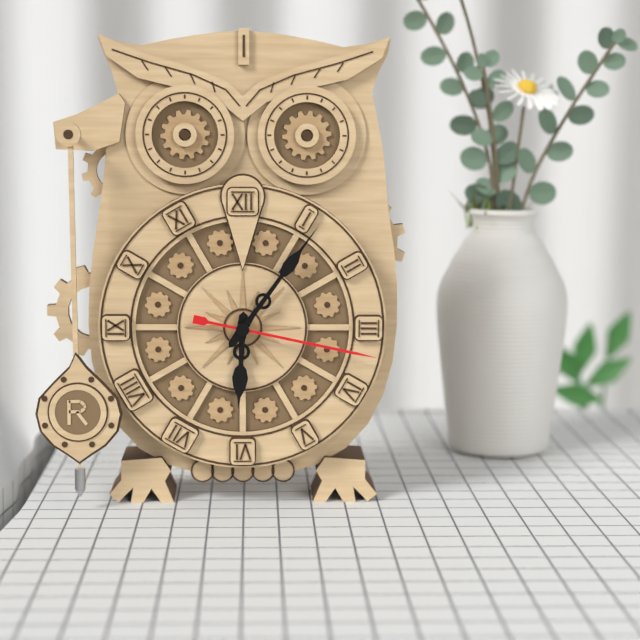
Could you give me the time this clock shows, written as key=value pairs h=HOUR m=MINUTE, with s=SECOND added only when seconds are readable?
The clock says h=6 m=6 s=17
